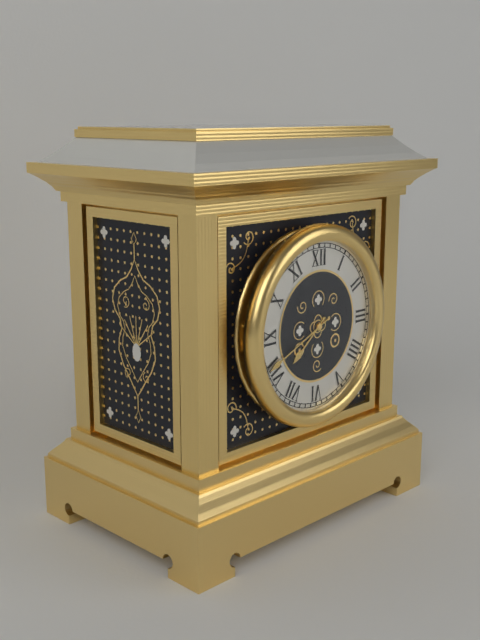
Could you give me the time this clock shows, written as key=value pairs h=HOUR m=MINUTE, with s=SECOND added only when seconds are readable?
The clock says h=7 m=41
